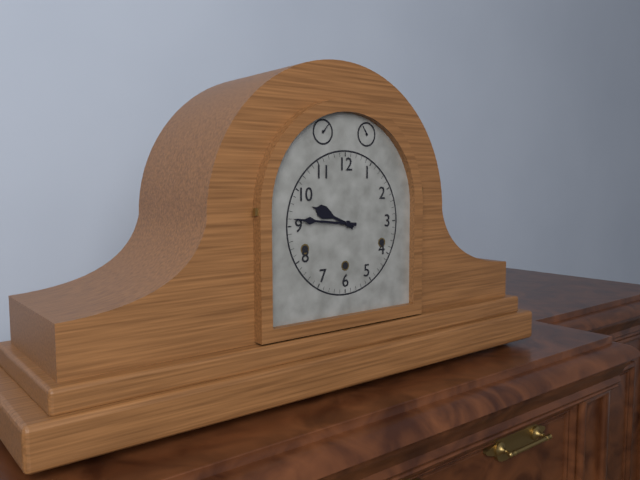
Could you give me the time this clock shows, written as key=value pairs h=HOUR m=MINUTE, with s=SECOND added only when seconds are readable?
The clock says h=9 m=46
